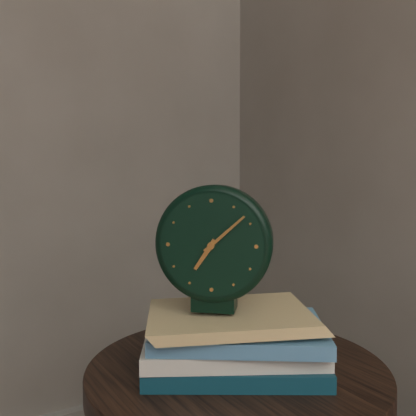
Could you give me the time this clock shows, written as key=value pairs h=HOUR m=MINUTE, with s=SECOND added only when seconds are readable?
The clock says h=7 m=8
